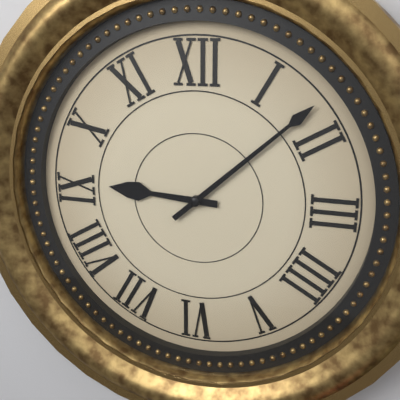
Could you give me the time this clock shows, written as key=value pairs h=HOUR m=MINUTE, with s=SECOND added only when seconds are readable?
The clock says h=9 m=8
